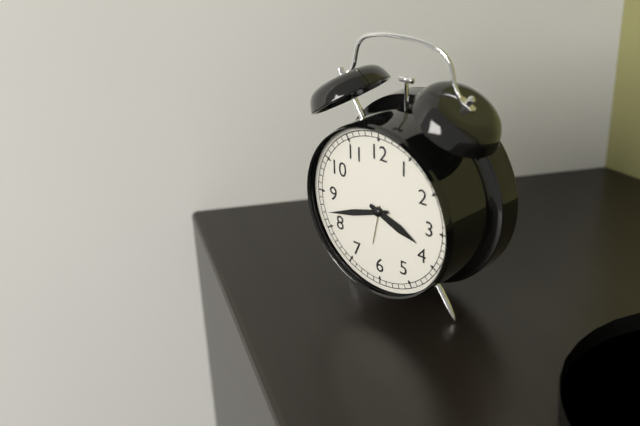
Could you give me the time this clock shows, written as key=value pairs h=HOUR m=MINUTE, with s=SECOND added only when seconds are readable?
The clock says h=3 m=42
